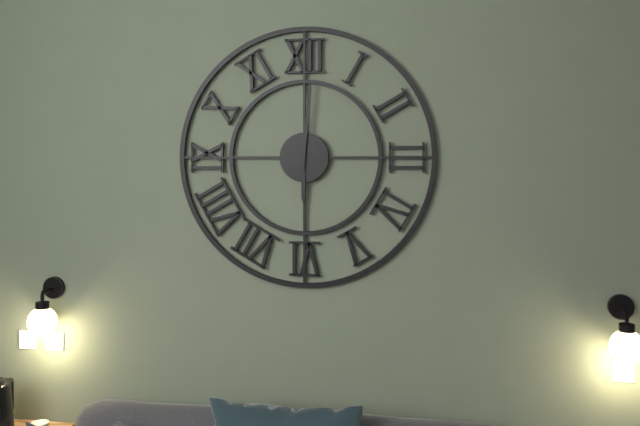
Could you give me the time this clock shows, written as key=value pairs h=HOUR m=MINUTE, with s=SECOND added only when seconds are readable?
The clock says h=6 m=1
